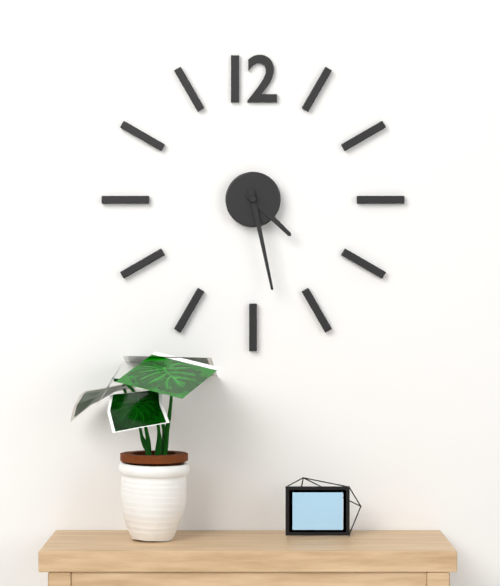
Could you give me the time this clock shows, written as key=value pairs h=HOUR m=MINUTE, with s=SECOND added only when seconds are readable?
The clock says h=4 m=28
